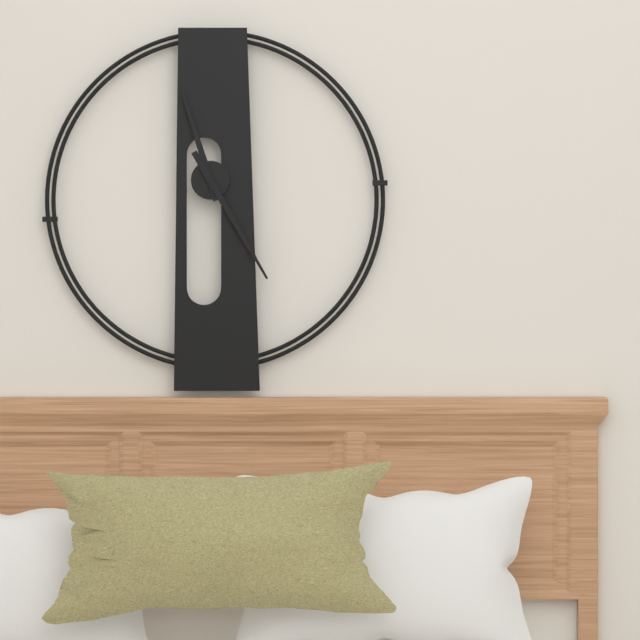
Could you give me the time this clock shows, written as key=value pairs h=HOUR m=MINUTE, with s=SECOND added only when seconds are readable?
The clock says h=11 m=25
